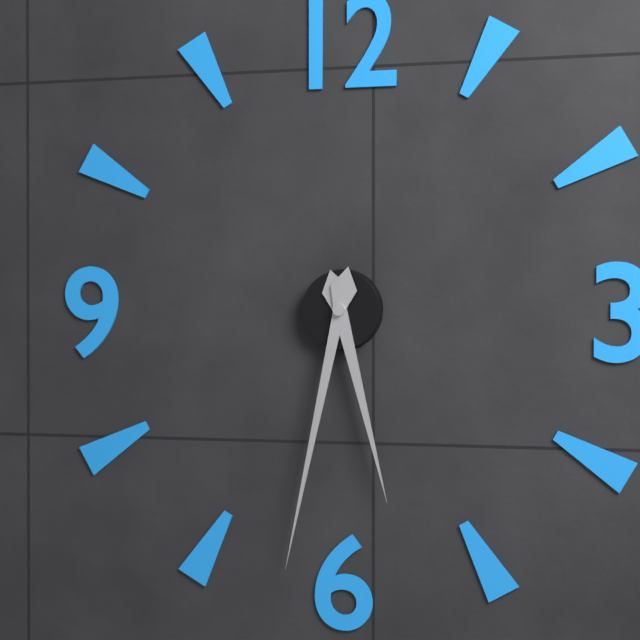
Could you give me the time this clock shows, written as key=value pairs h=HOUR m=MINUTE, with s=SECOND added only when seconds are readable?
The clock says h=5 m=32
